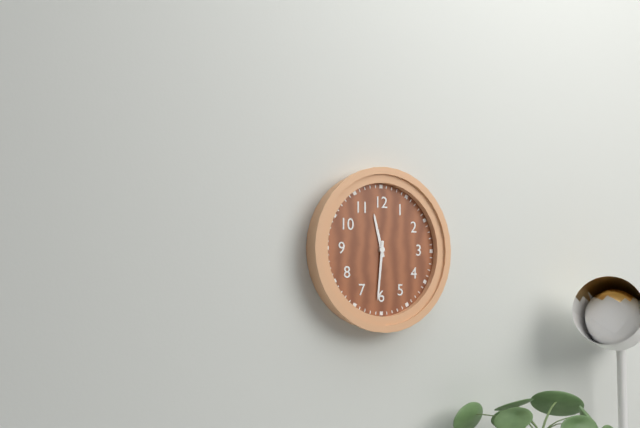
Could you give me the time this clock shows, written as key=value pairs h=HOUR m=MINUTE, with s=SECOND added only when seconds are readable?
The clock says h=11 m=31
